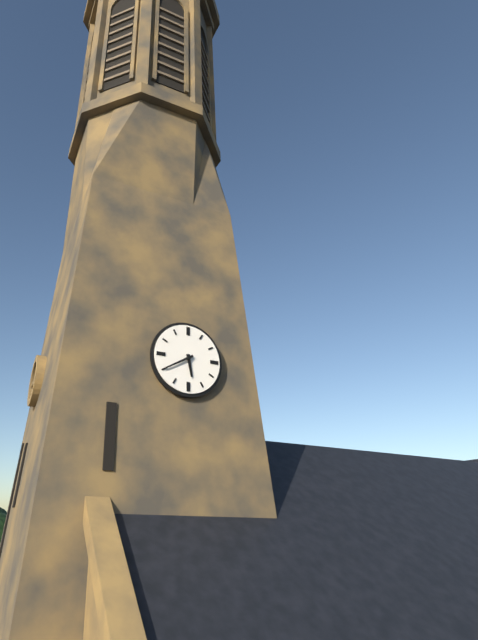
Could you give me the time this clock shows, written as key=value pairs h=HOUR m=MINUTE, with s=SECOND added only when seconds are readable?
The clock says h=5 m=40
